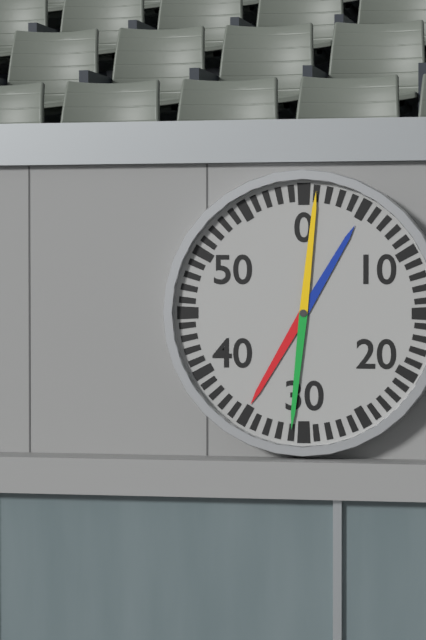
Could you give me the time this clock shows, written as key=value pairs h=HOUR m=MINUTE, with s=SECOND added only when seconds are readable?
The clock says h=7 m=1
